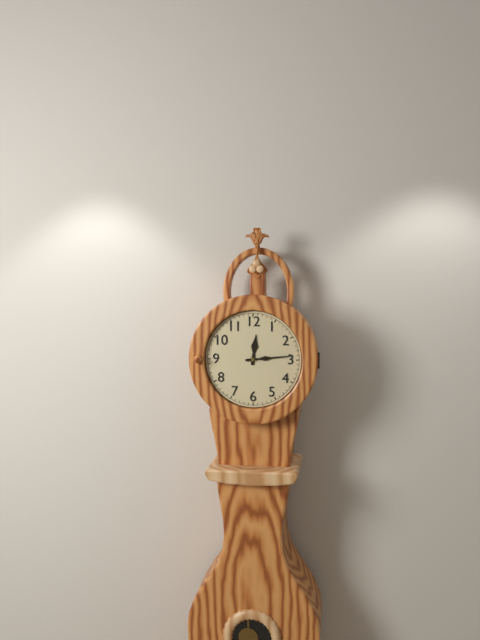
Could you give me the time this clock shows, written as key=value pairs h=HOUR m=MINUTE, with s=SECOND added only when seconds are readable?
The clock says h=12 m=14
